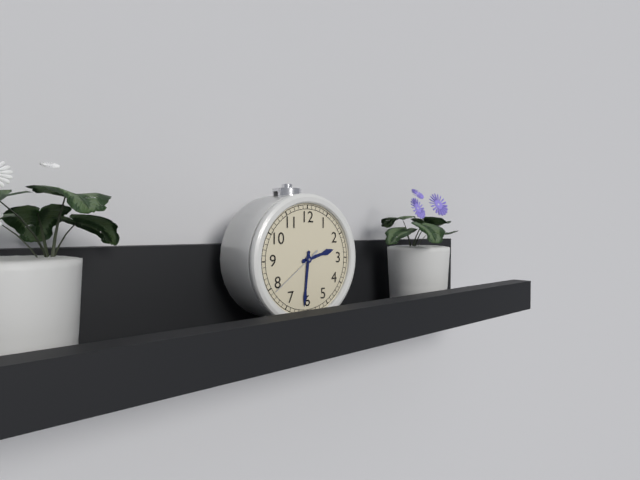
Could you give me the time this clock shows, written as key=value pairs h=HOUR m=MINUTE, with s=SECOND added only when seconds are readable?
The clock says h=2 m=31 s=39
